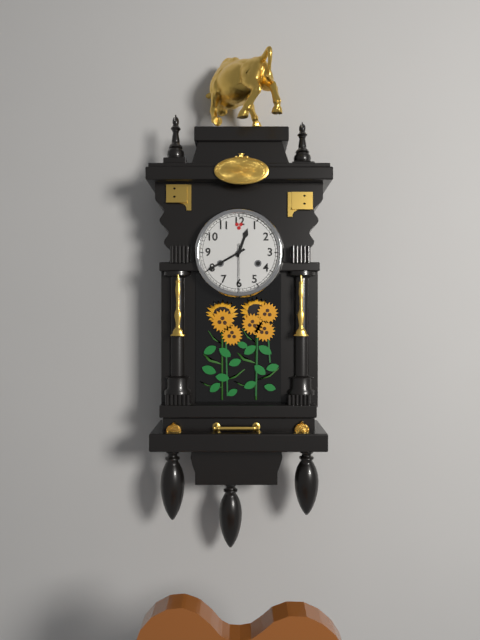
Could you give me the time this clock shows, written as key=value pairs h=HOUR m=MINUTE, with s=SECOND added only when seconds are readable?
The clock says h=12 m=40
